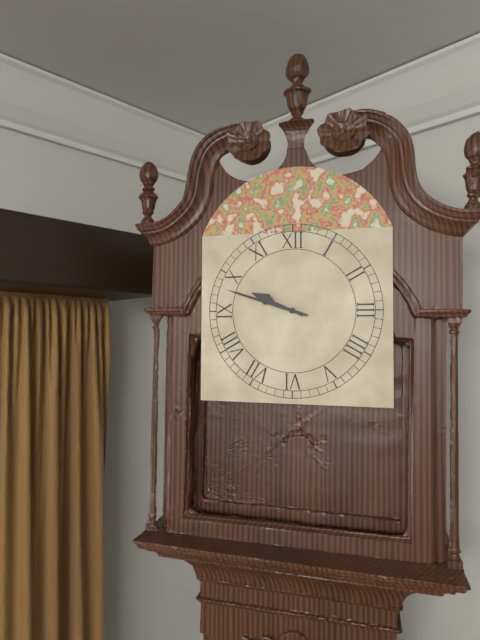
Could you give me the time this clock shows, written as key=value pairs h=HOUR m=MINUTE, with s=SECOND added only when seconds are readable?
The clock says h=9 m=48
